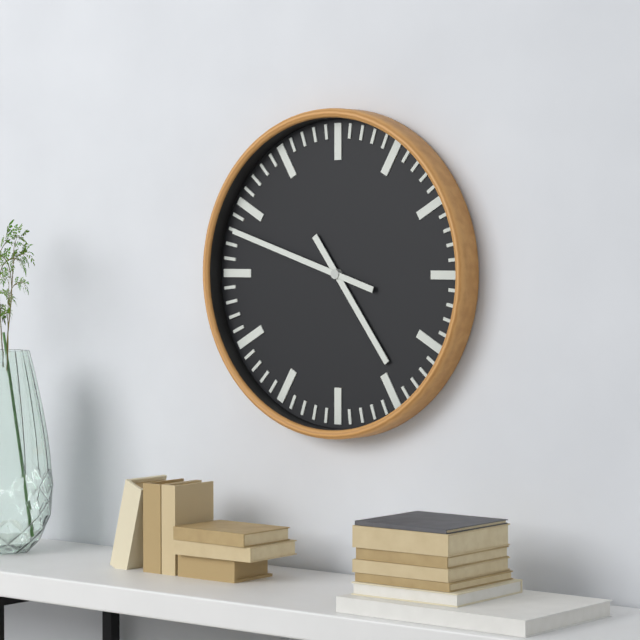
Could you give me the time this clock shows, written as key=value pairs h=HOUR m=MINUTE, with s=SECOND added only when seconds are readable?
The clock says h=4 m=48
